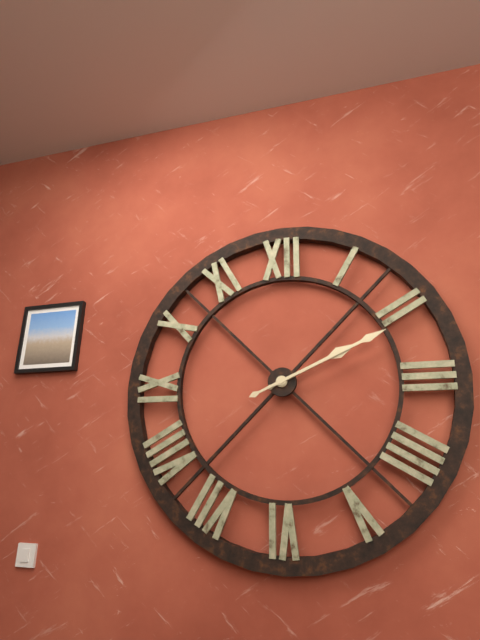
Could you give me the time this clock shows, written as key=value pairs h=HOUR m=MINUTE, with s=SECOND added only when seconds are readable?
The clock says h=2 m=11
